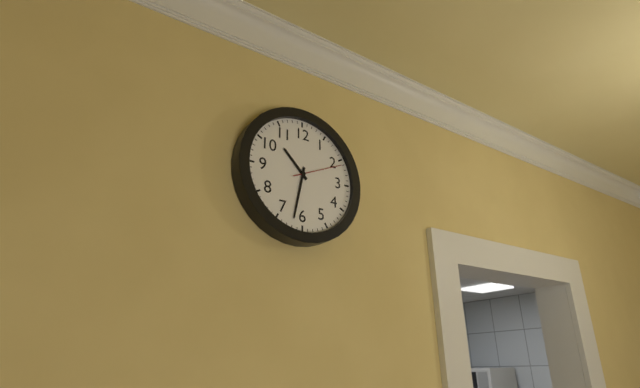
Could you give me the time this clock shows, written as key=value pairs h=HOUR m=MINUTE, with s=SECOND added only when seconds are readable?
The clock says h=10 m=32 s=11
